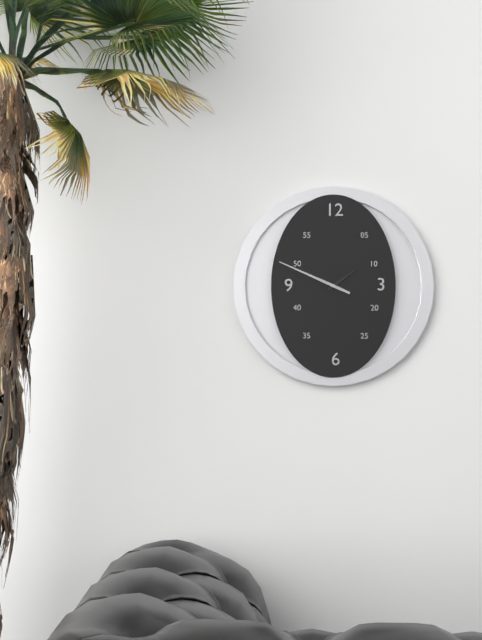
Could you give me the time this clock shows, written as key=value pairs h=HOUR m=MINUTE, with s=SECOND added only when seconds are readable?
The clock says h=1 m=49
